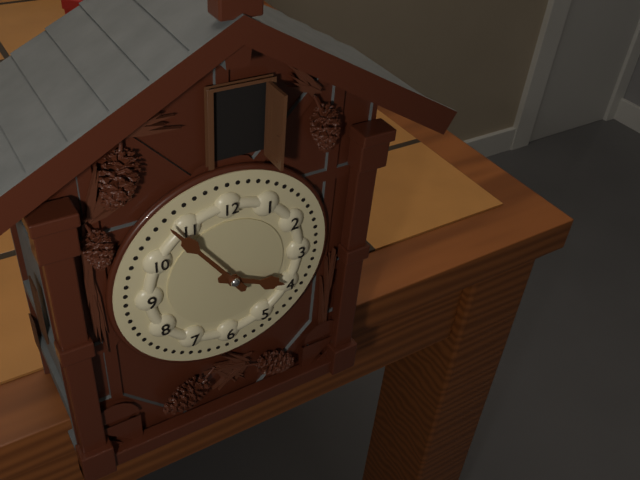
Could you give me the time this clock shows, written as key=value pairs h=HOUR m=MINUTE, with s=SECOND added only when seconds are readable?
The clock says h=3 m=54
